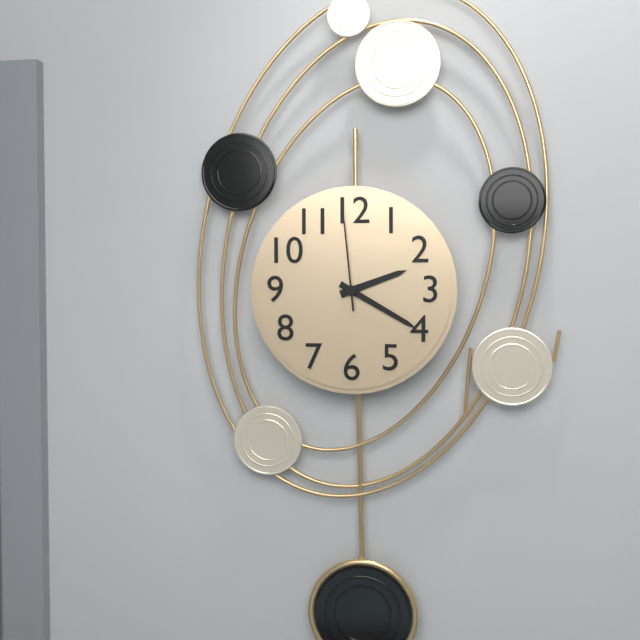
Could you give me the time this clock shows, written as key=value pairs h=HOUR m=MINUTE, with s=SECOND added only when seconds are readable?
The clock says h=2 m=20 s=59
